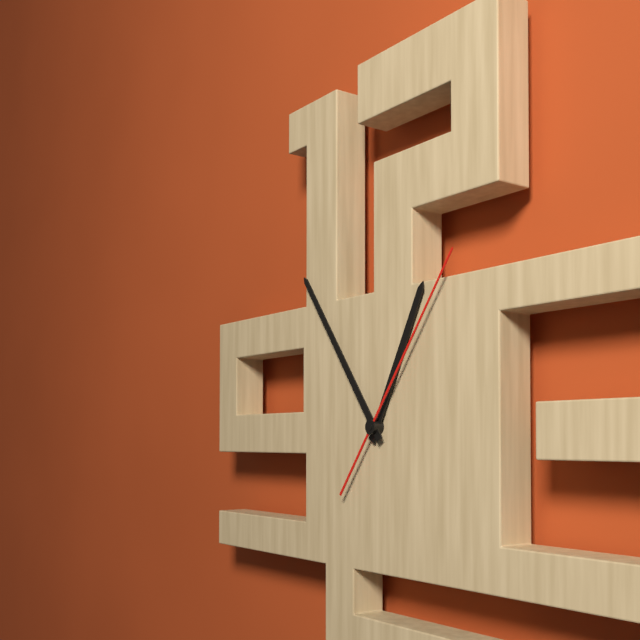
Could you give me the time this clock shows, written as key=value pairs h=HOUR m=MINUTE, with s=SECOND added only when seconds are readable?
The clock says h=12 m=54 s=6
